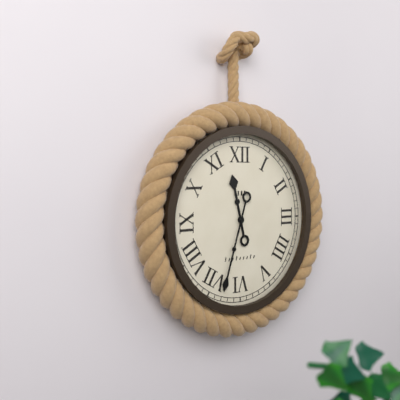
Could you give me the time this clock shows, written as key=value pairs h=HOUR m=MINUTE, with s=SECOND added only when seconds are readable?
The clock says h=11 m=33
